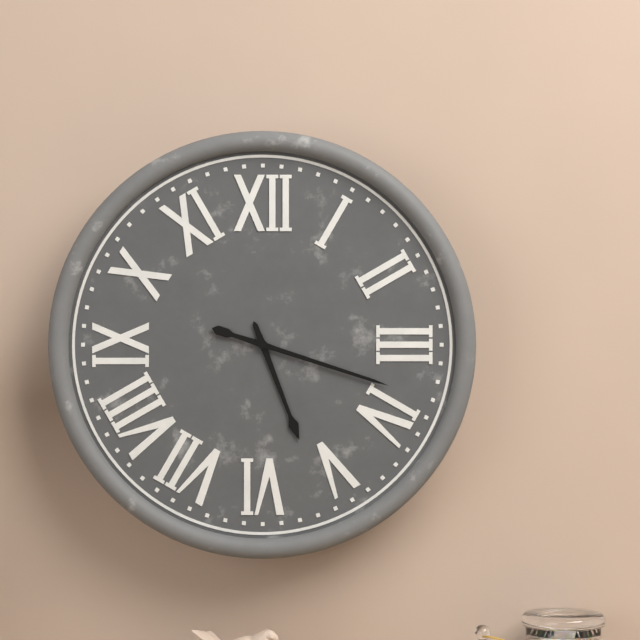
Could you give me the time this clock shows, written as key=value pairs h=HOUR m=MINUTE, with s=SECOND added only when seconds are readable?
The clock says h=5 m=18
